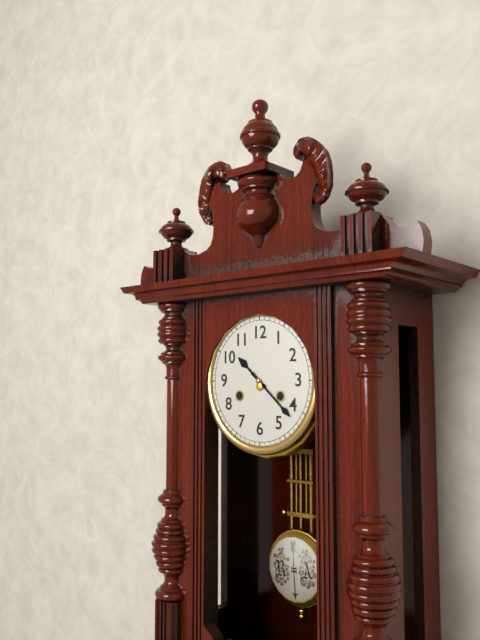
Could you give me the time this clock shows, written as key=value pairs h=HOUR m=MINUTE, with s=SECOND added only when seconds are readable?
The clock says h=10 m=22
